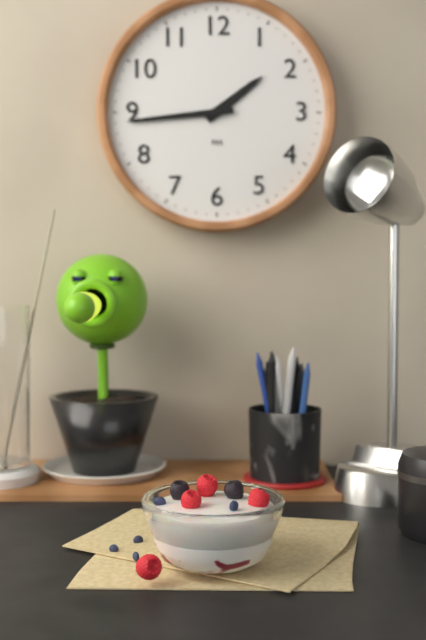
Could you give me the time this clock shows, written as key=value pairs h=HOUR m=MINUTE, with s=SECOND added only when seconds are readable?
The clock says h=1 m=44
